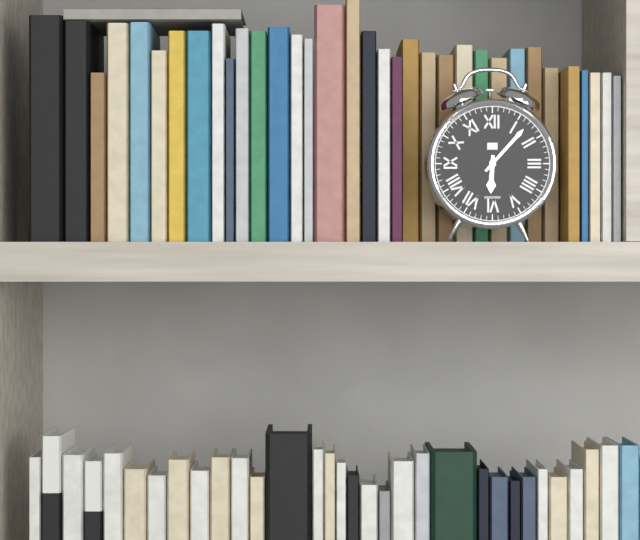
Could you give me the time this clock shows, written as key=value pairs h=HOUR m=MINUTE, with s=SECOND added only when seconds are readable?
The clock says h=6 m=7
